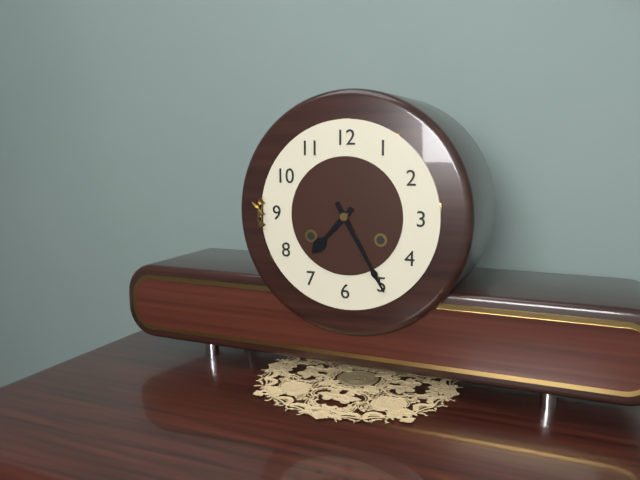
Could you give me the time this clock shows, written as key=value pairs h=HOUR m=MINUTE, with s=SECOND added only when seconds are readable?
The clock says h=7 m=25
